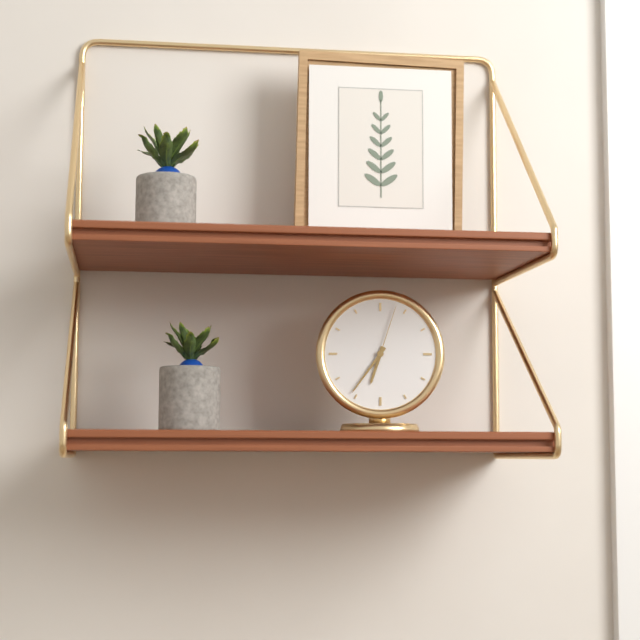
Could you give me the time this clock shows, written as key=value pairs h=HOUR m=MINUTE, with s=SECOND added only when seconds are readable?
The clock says h=6 m=36 s=3
